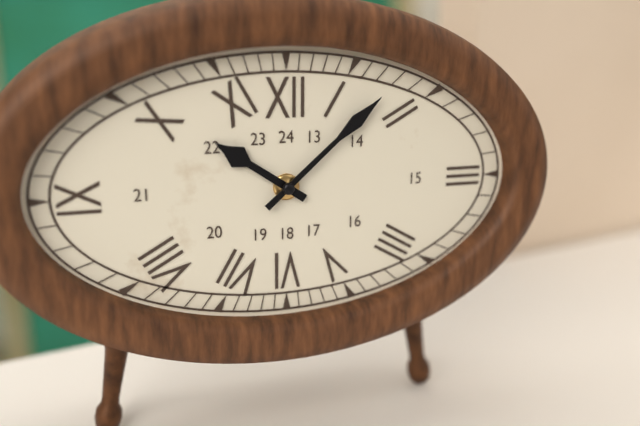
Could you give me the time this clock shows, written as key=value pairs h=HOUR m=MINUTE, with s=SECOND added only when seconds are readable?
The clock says h=10 m=8
